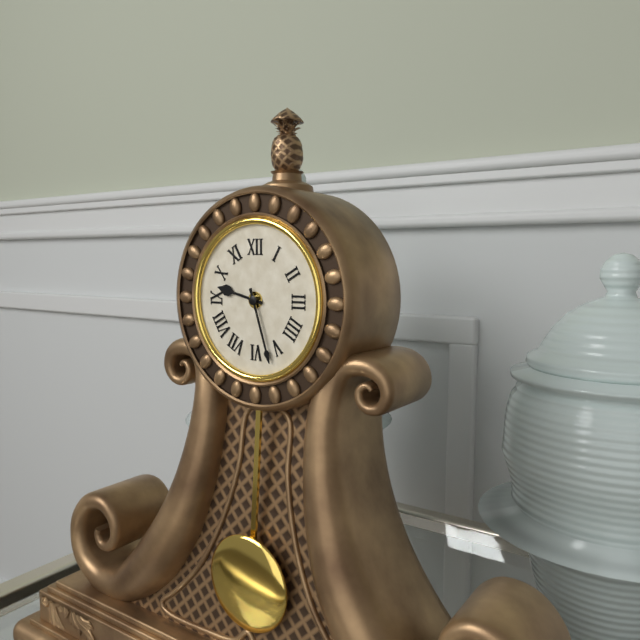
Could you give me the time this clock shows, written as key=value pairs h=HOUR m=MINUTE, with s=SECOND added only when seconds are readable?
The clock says h=9 m=27
